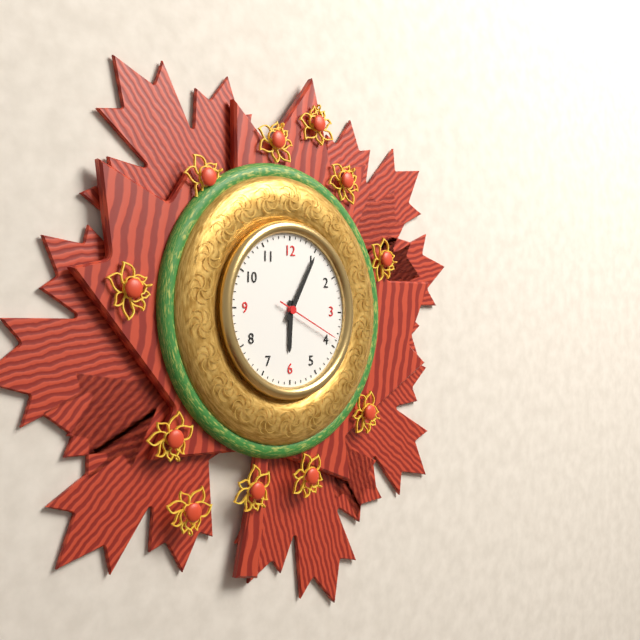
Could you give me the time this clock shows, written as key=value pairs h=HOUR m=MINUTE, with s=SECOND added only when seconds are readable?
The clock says h=6 m=5 s=19
